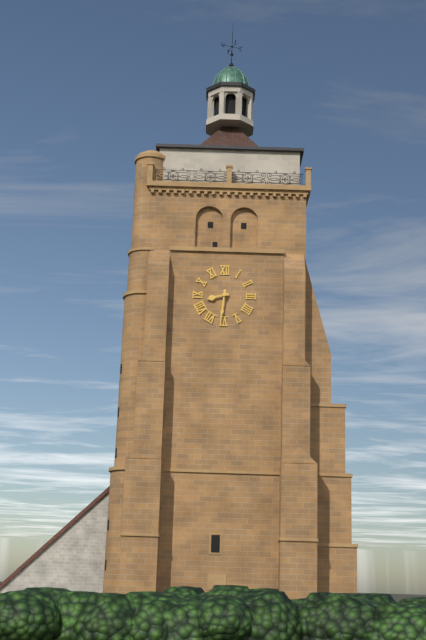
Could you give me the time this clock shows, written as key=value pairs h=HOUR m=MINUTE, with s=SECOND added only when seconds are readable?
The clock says h=8 m=31
